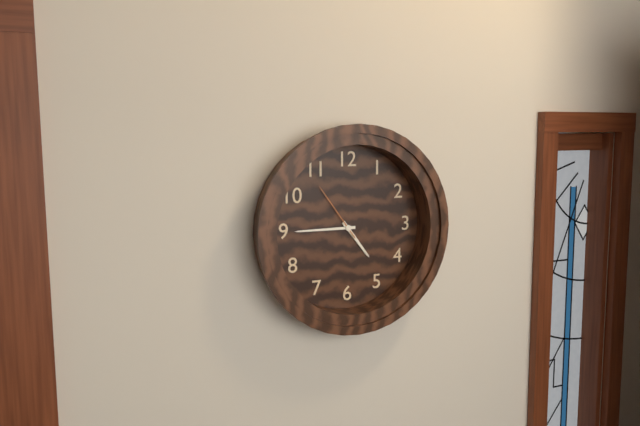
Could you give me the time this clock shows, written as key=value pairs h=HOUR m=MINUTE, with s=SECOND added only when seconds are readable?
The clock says h=4 m=45 s=54
